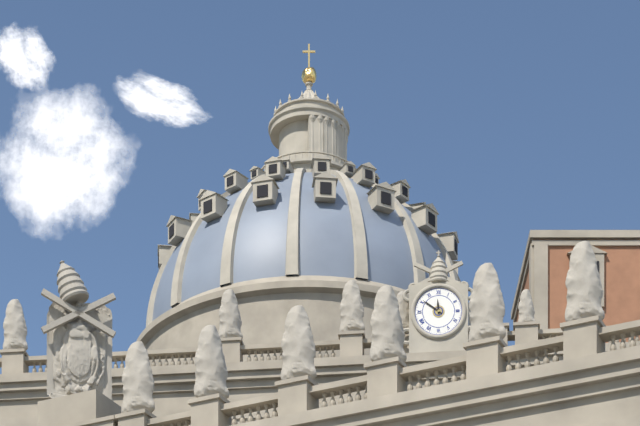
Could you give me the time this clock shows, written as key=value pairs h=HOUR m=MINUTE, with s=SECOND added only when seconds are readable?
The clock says h=11 m=51
